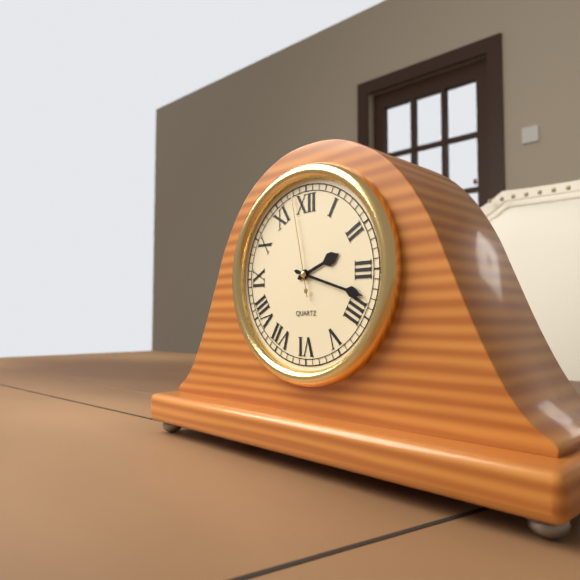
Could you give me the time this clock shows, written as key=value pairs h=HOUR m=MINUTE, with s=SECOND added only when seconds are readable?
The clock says h=2 m=18 s=58
